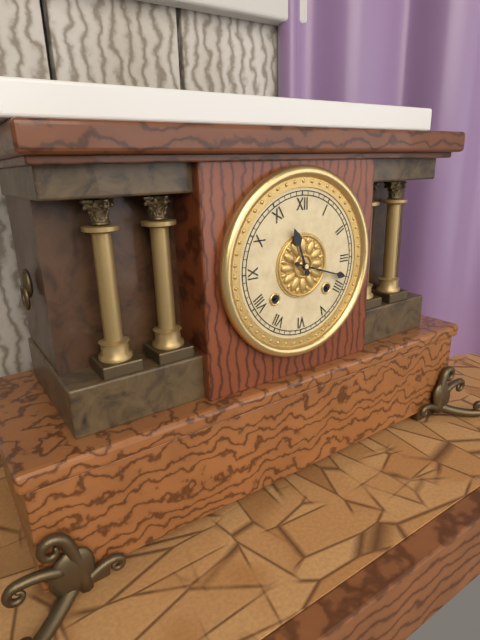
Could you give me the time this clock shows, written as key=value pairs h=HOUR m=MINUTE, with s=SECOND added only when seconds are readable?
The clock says h=11 m=18
